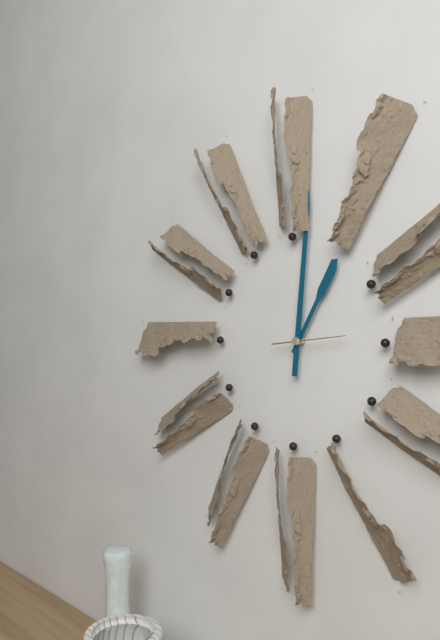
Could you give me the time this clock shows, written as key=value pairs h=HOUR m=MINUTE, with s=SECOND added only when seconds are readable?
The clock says h=1 m=1 s=14
